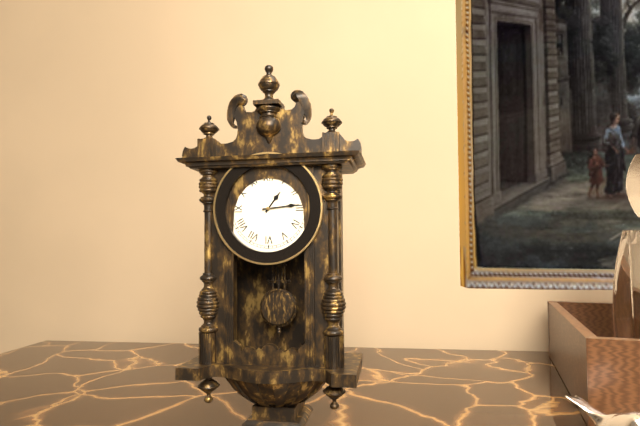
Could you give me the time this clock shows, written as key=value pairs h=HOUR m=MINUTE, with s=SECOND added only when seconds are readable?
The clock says h=1 m=14
